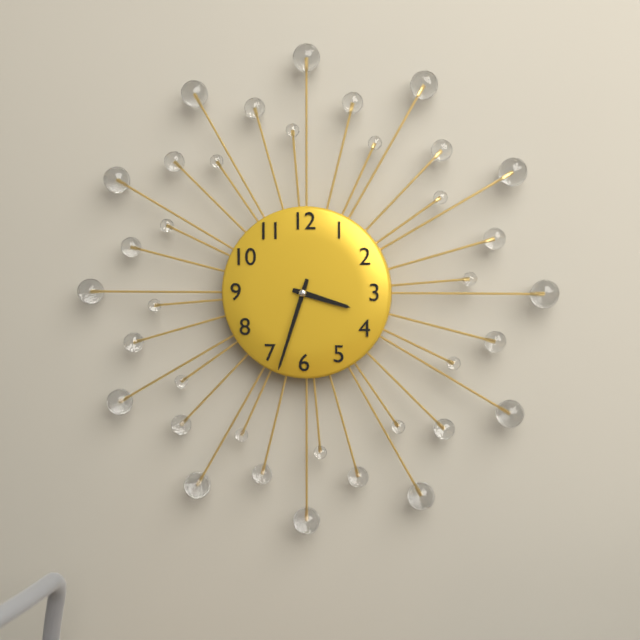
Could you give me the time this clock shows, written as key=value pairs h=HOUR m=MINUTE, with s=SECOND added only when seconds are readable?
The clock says h=3 m=33
